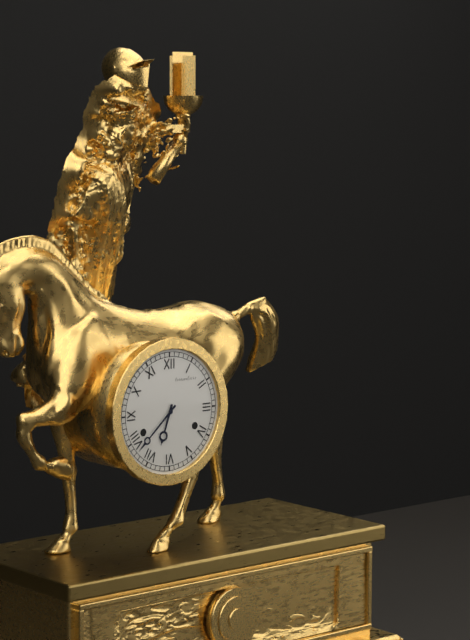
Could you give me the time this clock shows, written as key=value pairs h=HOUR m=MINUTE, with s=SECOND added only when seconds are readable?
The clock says h=6 m=38
